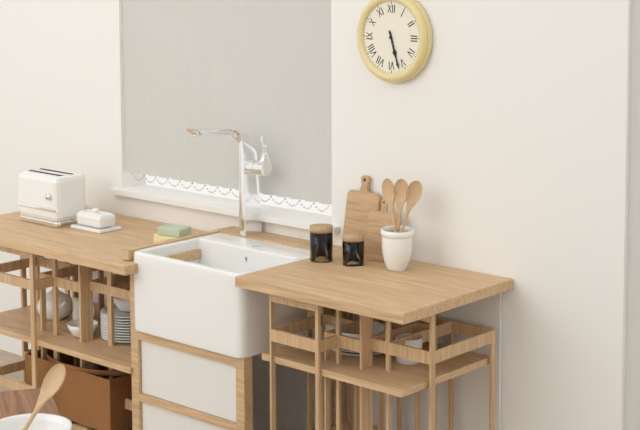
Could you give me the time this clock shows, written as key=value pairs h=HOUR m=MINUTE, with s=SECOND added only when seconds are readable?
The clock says h=5 m=27
